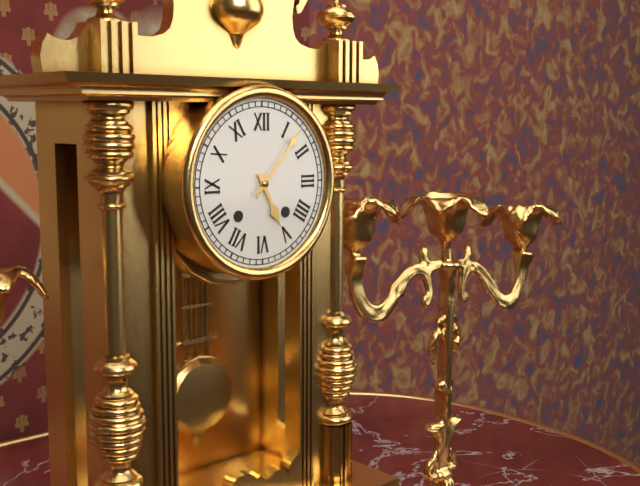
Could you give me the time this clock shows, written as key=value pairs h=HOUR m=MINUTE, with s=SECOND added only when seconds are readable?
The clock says h=5 m=7
